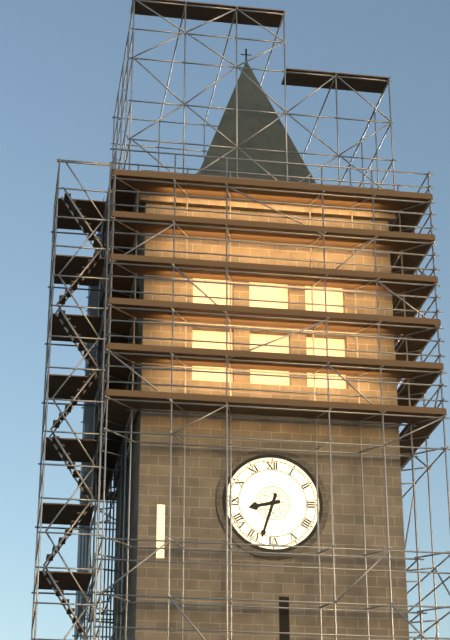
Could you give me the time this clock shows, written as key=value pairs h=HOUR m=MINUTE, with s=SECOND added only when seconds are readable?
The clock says h=8 m=33
